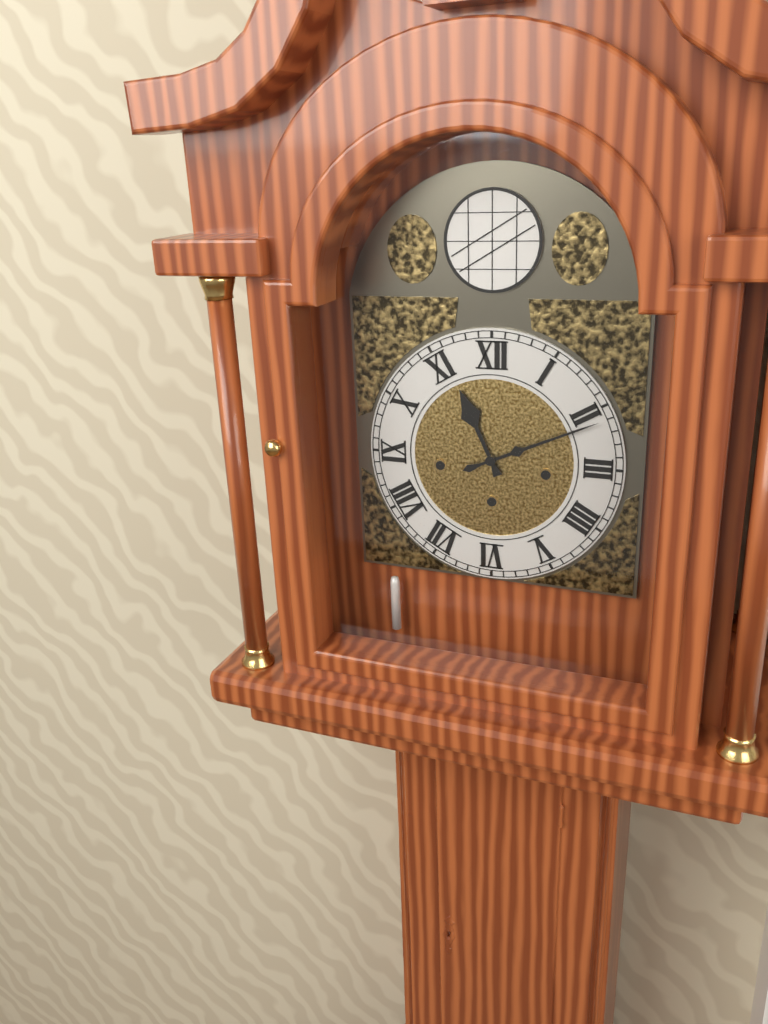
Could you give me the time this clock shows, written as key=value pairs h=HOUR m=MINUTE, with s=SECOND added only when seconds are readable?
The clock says h=11 m=11
